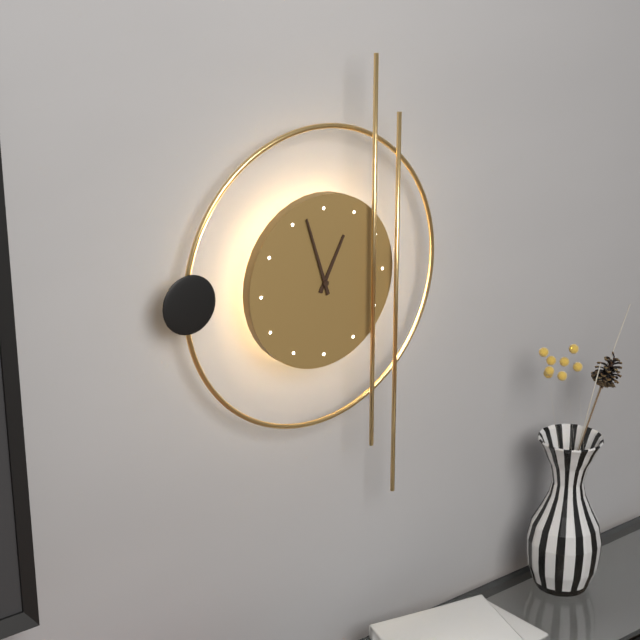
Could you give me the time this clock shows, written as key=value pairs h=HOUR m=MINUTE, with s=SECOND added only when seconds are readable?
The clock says h=12 m=57
